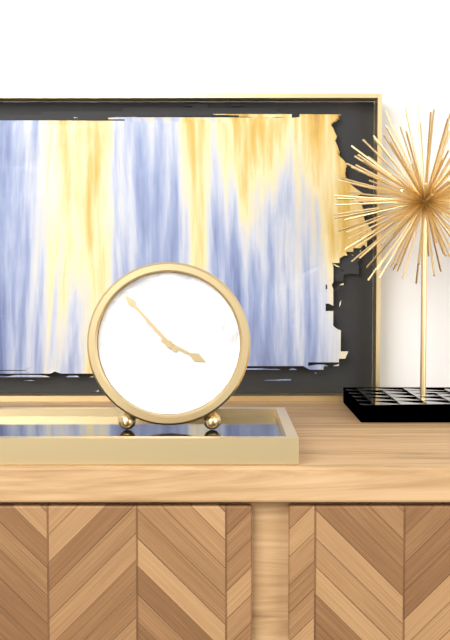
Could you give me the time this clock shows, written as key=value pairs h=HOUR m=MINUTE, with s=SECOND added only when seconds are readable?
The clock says h=3 m=53
